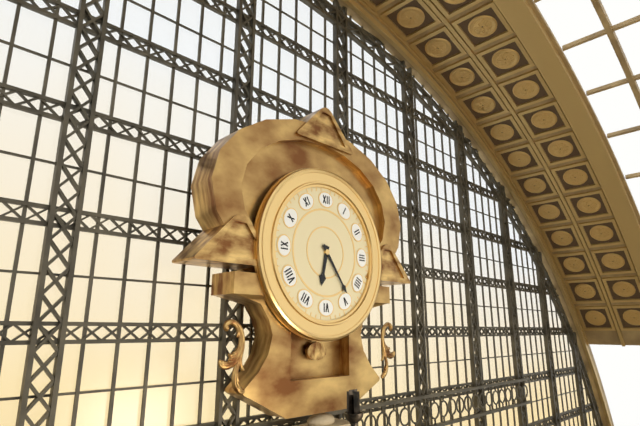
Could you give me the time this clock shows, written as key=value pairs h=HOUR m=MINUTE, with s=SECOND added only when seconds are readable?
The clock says h=6 m=24
